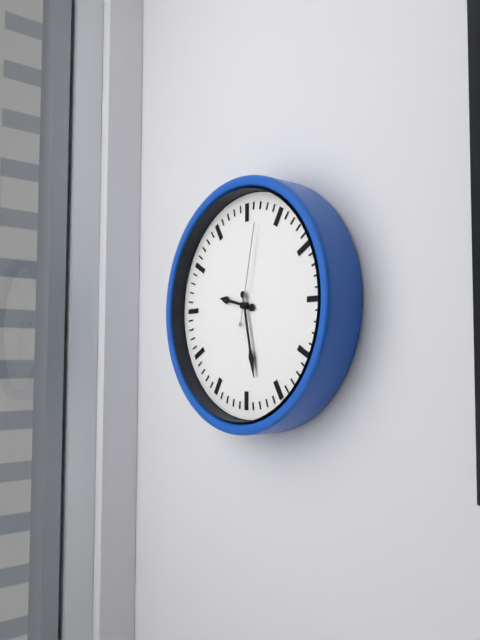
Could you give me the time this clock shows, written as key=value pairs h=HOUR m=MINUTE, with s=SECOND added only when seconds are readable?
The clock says h=9 m=28 s=2
